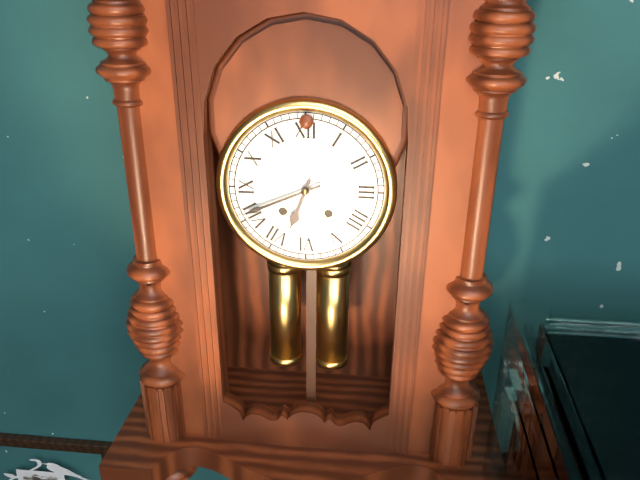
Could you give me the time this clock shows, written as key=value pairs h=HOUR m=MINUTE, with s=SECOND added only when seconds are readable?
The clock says h=6 m=41
